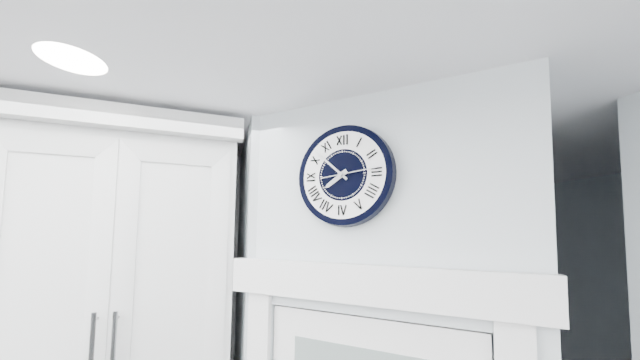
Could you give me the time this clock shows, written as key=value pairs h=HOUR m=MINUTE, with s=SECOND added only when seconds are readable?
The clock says h=7 m=52 s=14
